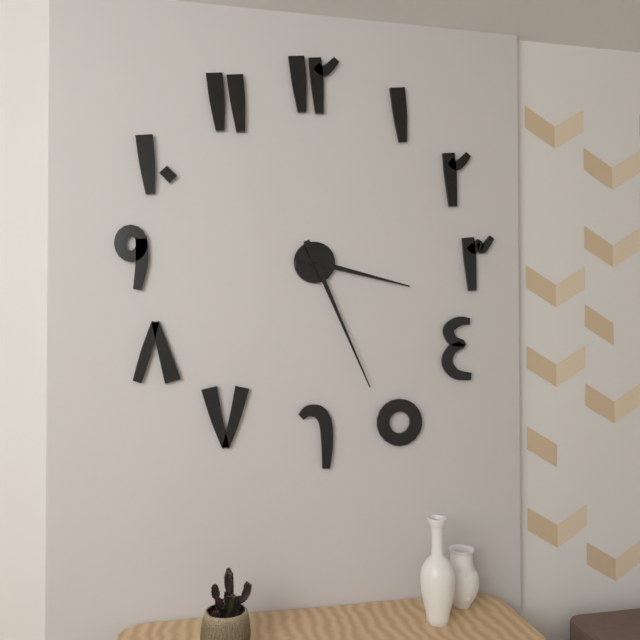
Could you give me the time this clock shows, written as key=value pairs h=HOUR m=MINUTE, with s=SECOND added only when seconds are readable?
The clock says h=3 m=26
